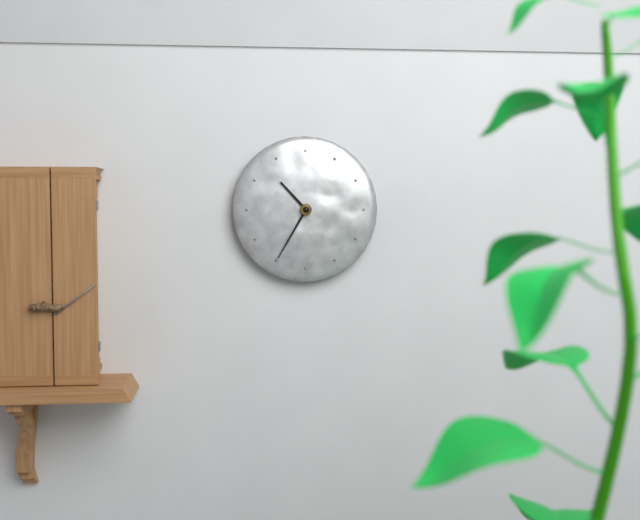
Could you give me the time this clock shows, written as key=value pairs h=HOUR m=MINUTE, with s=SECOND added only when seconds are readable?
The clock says h=10 m=35
